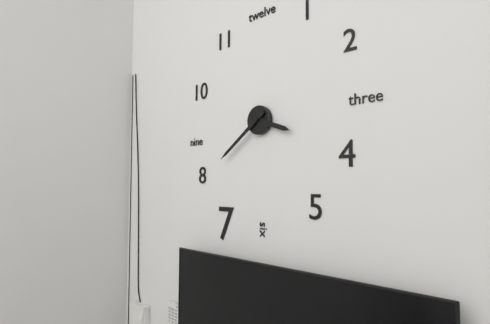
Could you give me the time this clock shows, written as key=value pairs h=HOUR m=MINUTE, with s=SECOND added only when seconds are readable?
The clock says h=3 m=39
